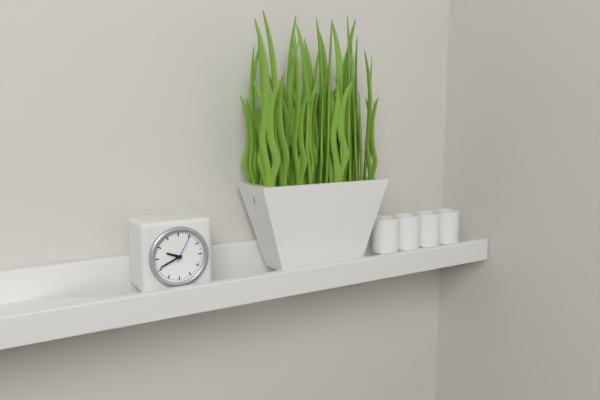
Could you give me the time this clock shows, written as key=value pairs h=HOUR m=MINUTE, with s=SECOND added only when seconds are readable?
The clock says h=9 m=41
